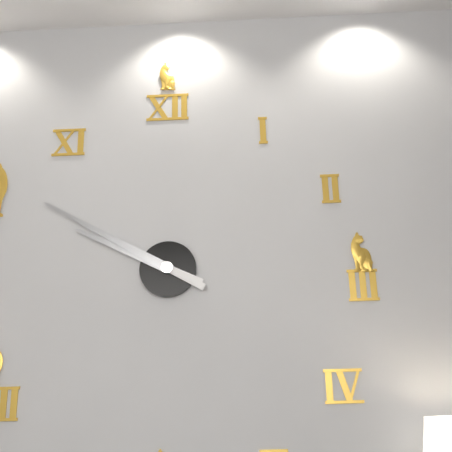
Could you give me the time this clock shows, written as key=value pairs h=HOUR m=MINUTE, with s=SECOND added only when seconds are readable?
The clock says h=9 m=50
